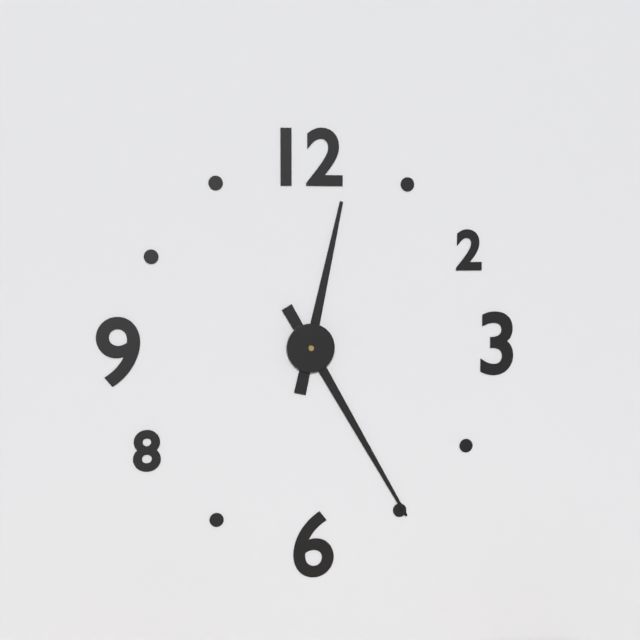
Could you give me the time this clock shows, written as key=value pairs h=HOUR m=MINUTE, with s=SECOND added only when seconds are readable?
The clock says h=12 m=25
